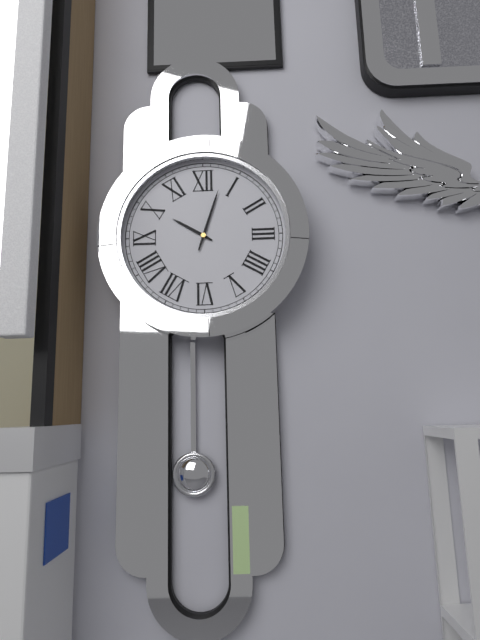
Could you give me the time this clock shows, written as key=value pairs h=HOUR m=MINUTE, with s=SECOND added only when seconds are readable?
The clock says h=10 m=3
